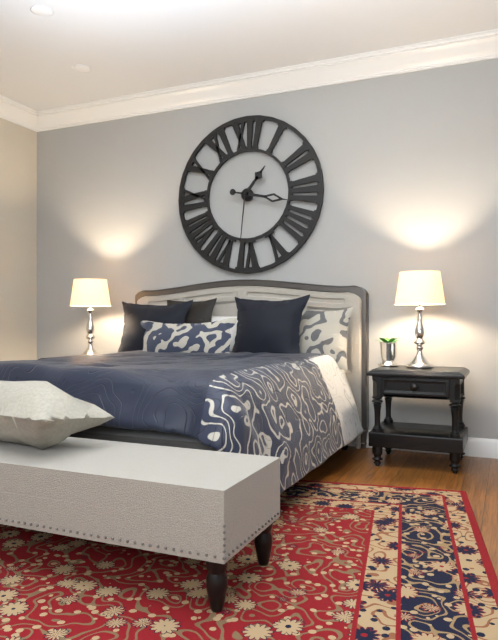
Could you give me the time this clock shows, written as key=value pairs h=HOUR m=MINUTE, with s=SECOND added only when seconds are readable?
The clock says h=1 m=17 s=31
